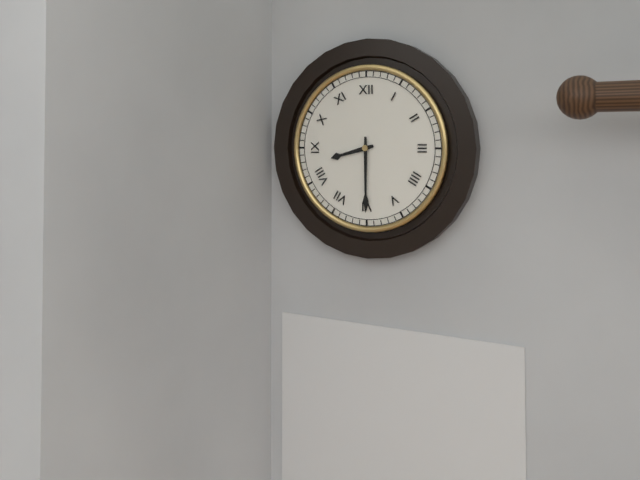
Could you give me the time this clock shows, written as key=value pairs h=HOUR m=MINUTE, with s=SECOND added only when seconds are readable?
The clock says h=8 m=30
